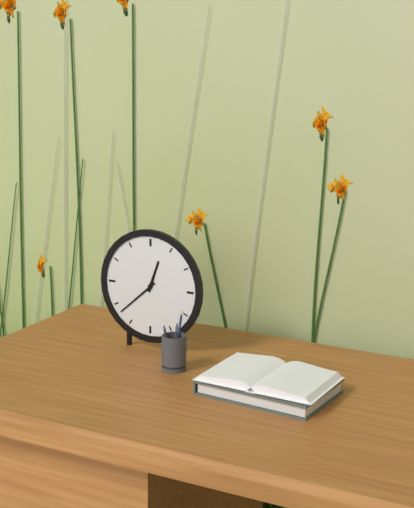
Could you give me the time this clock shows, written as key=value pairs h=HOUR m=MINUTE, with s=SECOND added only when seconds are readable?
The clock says h=12 m=38
